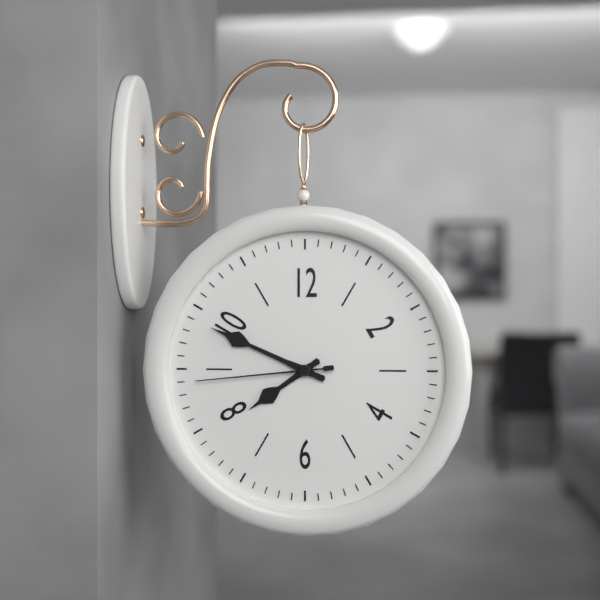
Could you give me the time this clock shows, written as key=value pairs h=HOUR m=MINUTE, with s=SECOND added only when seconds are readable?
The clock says h=7 m=49 s=44
